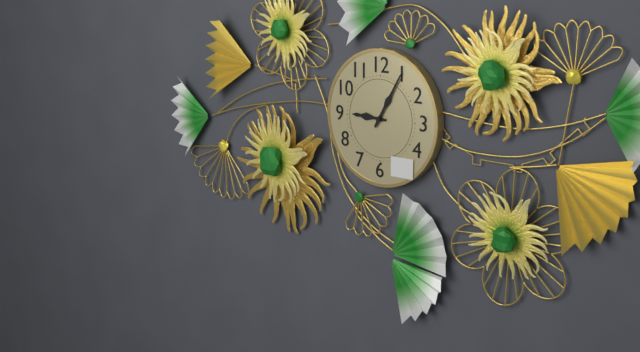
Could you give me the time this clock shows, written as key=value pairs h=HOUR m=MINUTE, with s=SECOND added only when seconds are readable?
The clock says h=9 m=5
